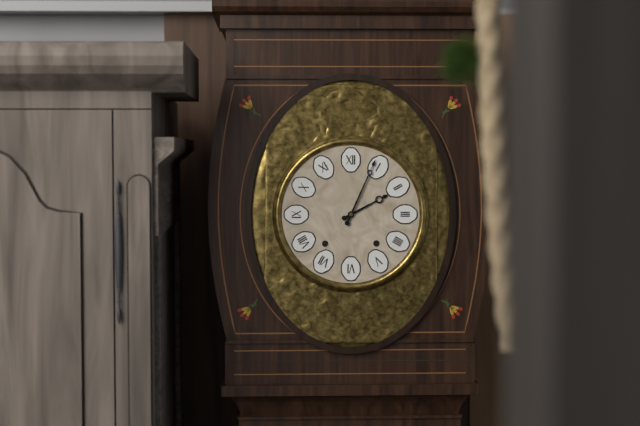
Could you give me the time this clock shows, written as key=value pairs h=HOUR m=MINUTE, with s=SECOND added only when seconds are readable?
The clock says h=2 m=4
